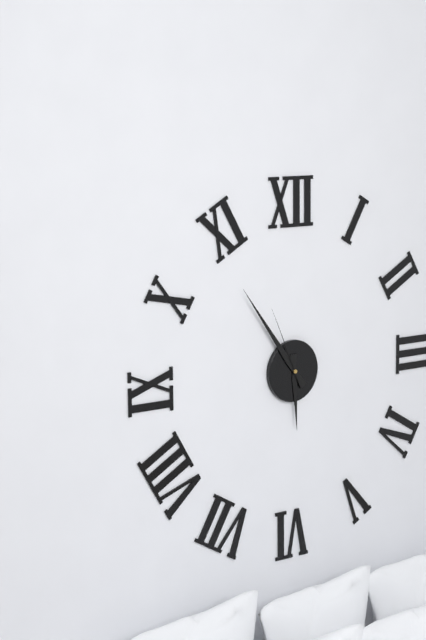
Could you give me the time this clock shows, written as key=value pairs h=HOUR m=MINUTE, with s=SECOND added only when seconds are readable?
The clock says h=5 m=54 s=56
